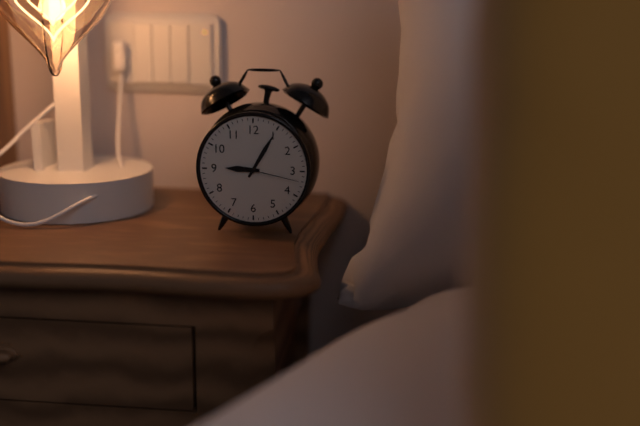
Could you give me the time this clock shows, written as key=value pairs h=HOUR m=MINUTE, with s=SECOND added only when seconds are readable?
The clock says h=9 m=5 s=17
